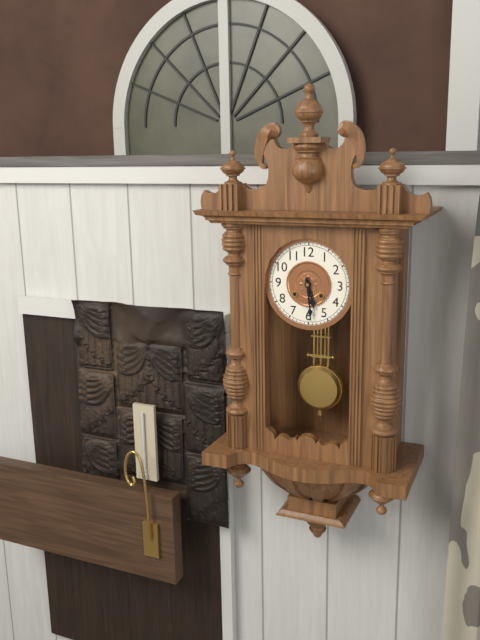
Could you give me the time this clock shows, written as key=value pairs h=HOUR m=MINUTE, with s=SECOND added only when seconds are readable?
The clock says h=5 m=29
